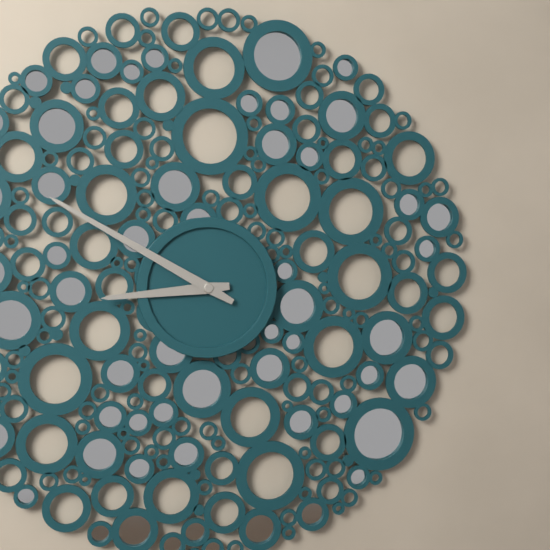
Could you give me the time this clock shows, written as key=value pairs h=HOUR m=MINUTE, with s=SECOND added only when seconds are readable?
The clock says h=8 m=50
